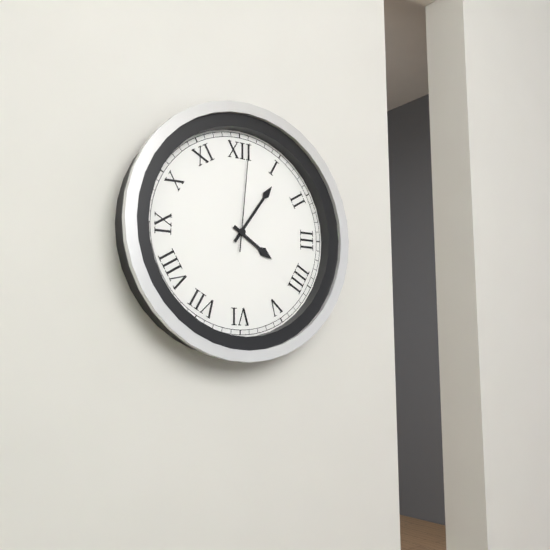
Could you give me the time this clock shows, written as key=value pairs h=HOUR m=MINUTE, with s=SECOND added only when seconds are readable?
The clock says h=4 m=6 s=1
